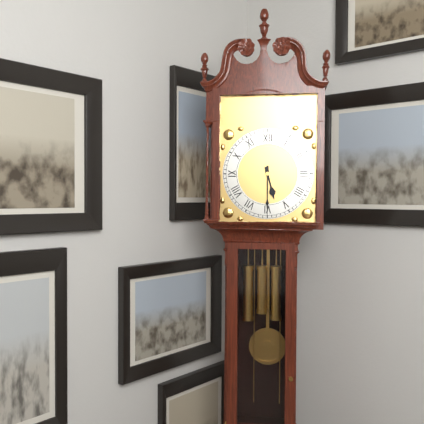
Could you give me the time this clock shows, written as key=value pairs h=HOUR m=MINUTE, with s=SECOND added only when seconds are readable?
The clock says h=5 m=30
